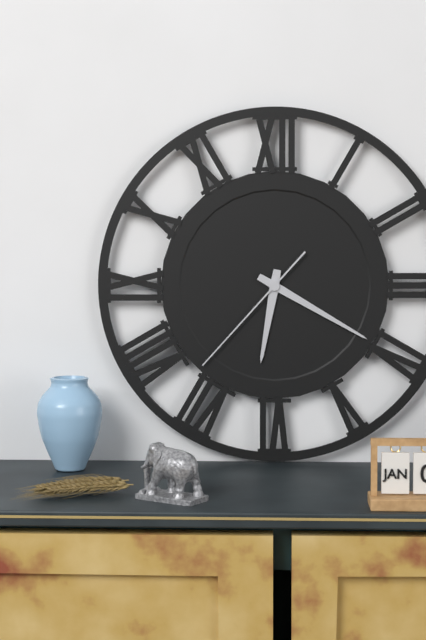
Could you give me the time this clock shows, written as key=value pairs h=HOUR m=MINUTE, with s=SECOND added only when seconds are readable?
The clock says h=6 m=20 s=37
